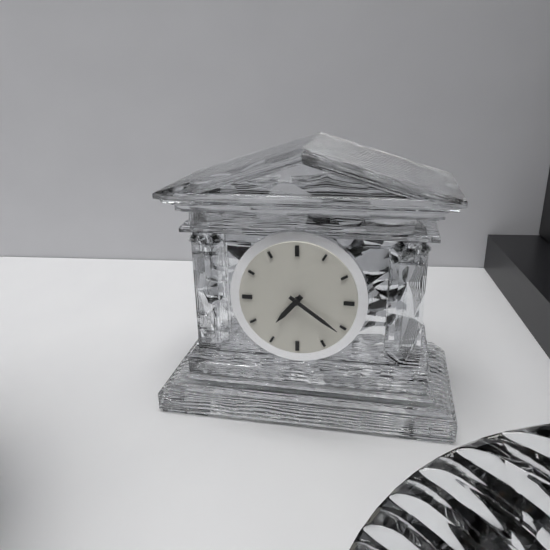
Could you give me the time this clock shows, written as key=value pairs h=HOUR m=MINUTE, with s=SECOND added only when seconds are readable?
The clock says h=7 m=21
